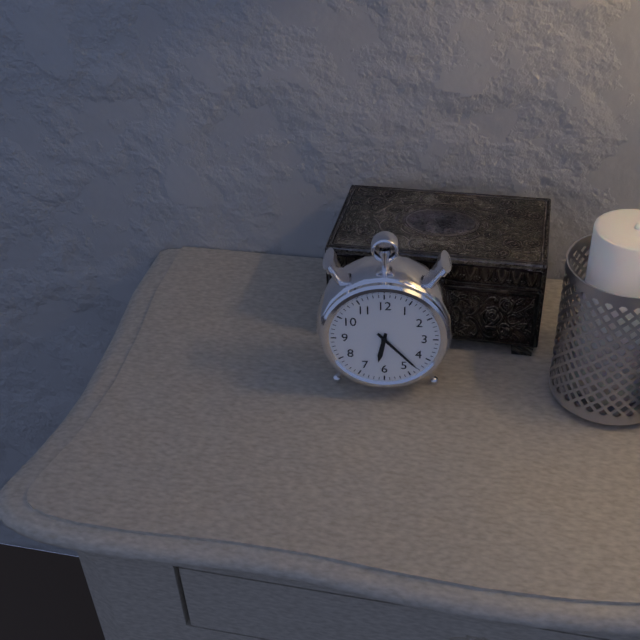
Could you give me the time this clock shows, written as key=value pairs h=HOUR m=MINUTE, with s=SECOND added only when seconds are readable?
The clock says h=6 m=23
